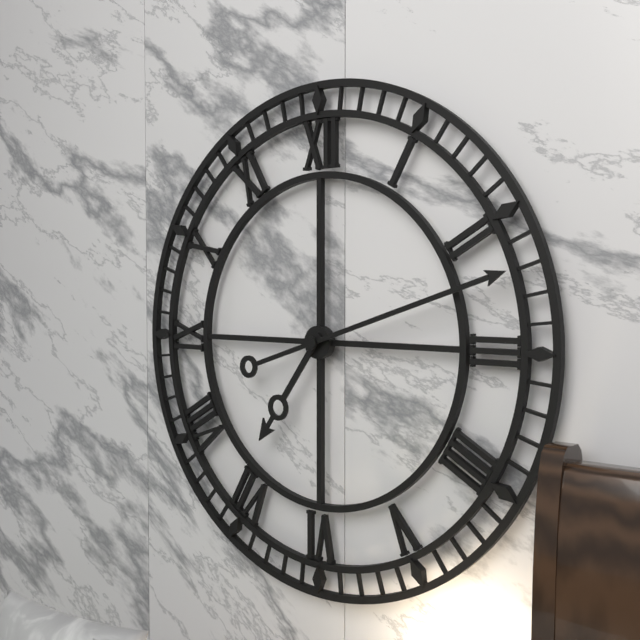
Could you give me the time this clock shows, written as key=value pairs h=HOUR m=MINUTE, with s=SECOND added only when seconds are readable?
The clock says h=7 m=12
